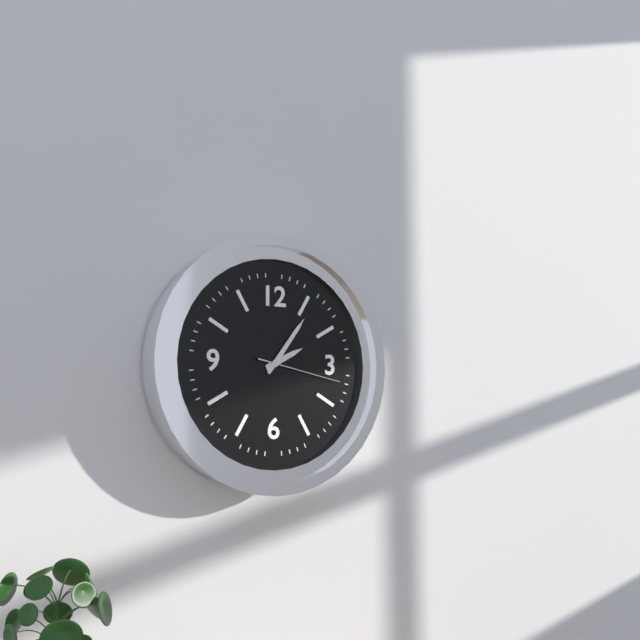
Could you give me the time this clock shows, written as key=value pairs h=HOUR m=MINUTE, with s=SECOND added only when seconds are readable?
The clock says h=2 m=6 s=17
